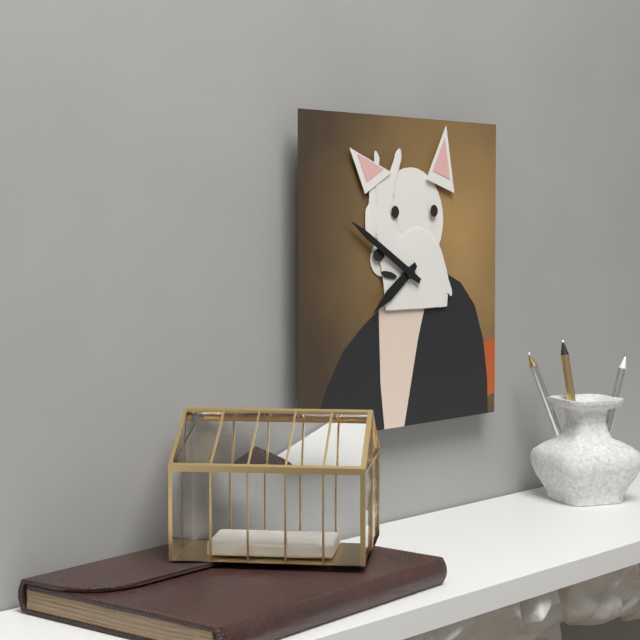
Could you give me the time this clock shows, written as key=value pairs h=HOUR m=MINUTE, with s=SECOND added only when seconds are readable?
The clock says h=7 m=50
